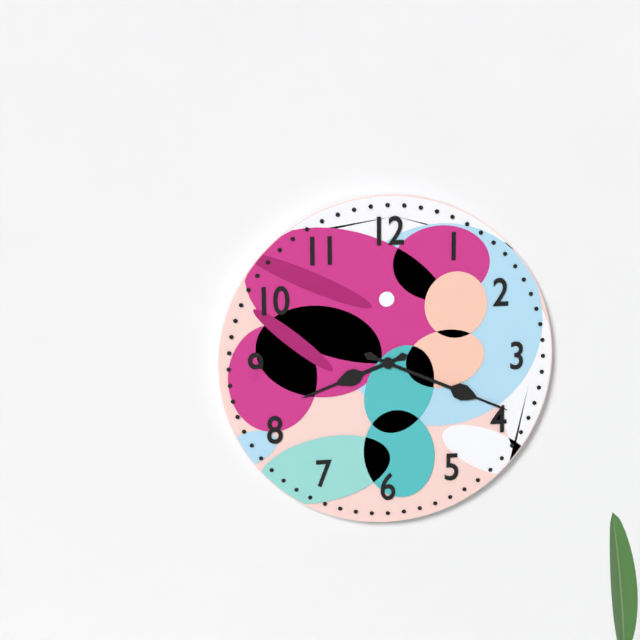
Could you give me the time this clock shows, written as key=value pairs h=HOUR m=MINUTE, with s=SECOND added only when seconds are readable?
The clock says h=8 m=19
